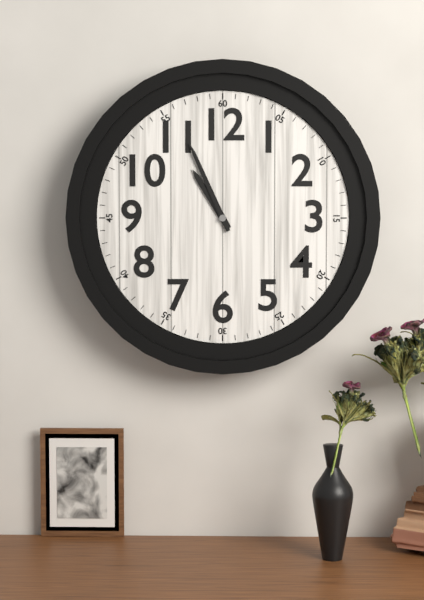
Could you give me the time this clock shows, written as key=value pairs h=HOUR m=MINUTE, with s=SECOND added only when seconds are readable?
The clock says h=10 m=56
